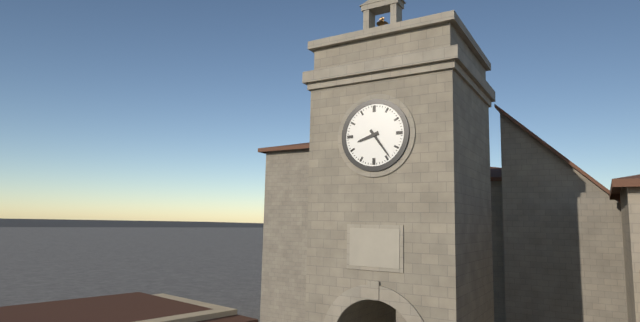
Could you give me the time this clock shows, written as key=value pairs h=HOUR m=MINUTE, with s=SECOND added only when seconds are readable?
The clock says h=8 m=24
